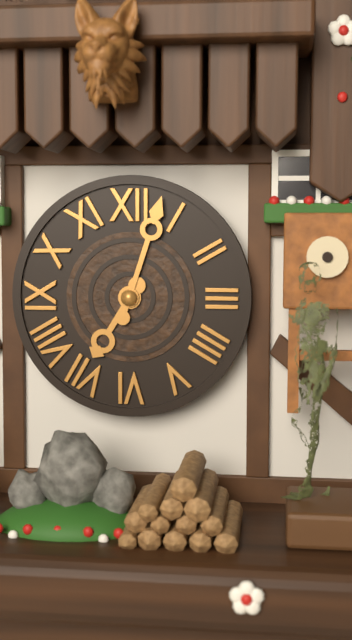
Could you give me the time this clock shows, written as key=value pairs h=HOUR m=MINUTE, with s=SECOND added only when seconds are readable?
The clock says h=7 m=3
